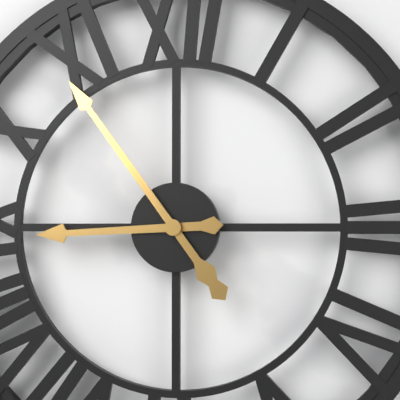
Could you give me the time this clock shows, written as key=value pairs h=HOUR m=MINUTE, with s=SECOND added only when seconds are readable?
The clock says h=8 m=54
